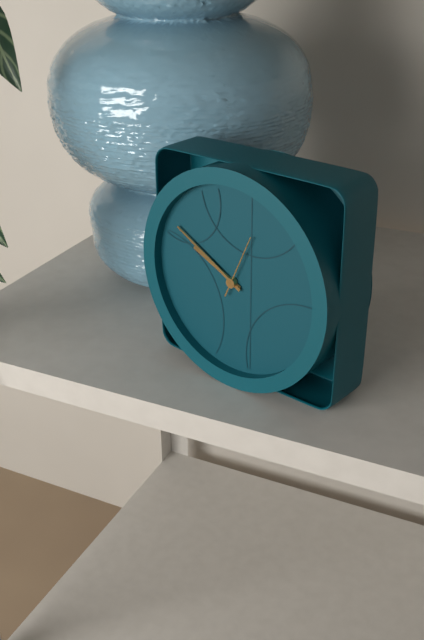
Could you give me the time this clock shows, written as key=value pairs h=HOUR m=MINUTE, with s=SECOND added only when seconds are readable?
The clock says h=9 m=50 s=4
